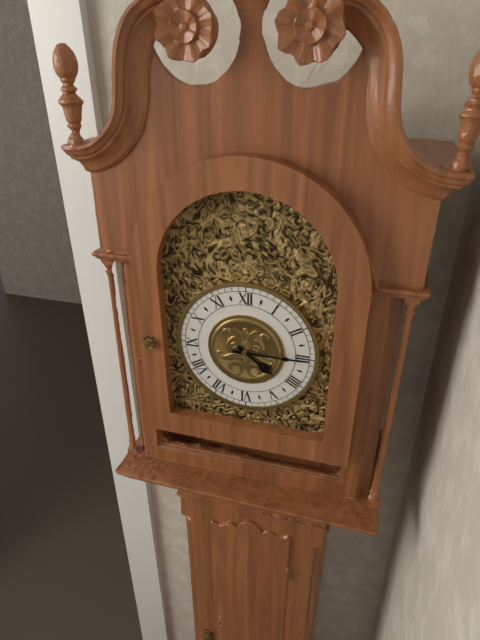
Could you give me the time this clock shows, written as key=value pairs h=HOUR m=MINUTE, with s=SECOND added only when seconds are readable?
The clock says h=4 m=15
